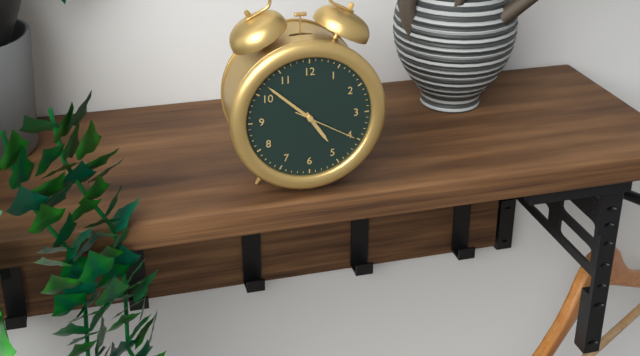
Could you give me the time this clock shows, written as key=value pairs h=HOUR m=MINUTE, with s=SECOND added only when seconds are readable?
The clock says h=4 m=52 s=20
